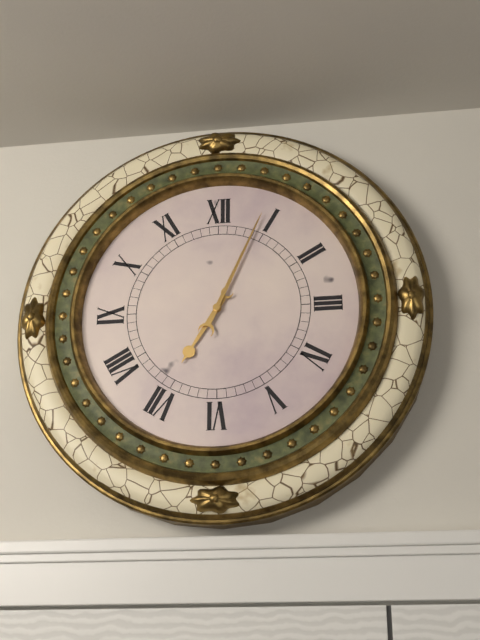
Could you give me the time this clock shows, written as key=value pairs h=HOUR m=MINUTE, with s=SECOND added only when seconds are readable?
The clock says h=7 m=4
